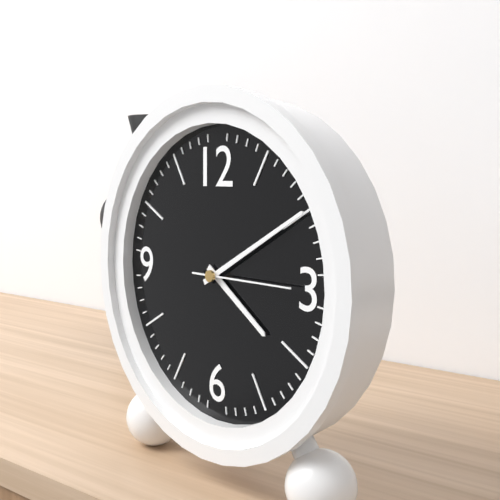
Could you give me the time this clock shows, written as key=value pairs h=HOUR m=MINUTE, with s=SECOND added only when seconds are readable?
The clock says h=4 m=10 s=15
